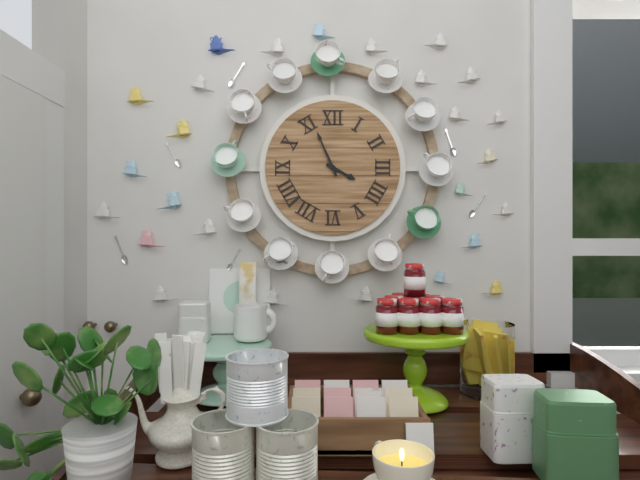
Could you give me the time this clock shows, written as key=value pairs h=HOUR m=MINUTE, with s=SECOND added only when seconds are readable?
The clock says h=3 m=56
